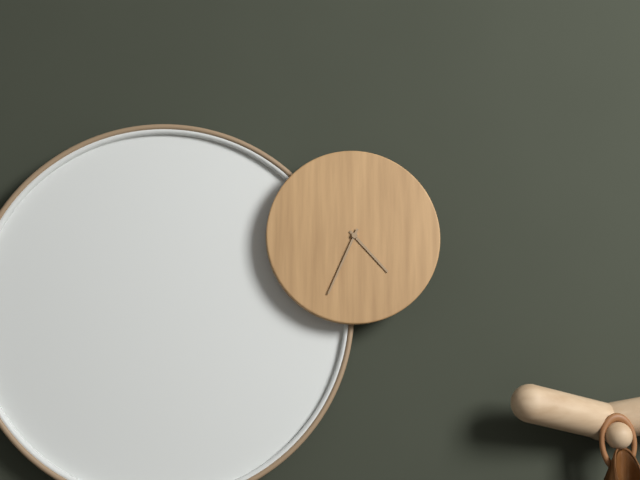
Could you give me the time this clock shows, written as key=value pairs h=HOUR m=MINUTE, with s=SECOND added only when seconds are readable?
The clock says h=4 m=34
